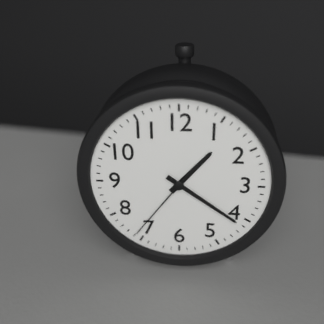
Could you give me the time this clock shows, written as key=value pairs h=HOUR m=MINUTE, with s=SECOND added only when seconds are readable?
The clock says h=1 m=21 s=36
